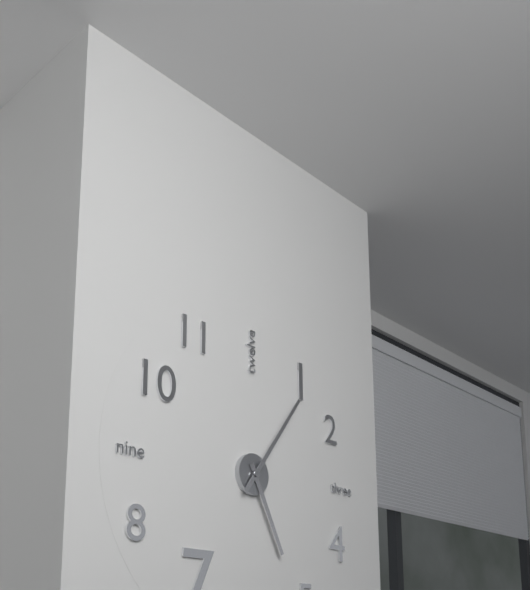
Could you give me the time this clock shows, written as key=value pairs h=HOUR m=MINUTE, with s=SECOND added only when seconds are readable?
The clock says h=5 m=6
